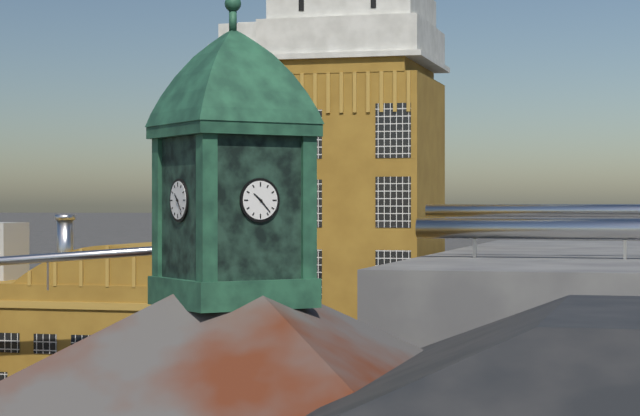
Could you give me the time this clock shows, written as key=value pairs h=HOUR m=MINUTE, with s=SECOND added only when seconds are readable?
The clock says h=10 m=23
